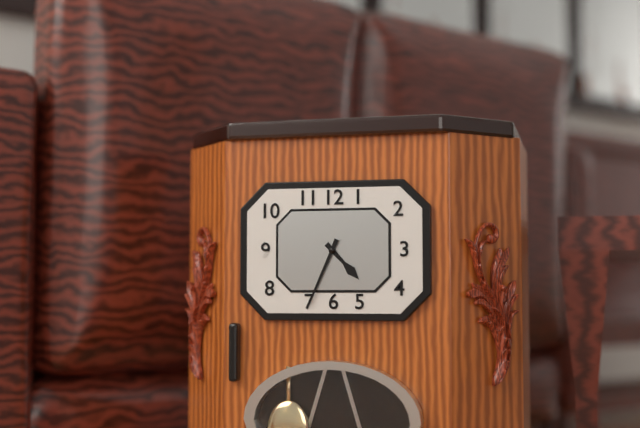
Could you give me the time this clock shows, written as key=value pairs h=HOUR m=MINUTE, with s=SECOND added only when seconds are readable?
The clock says h=4 m=34
